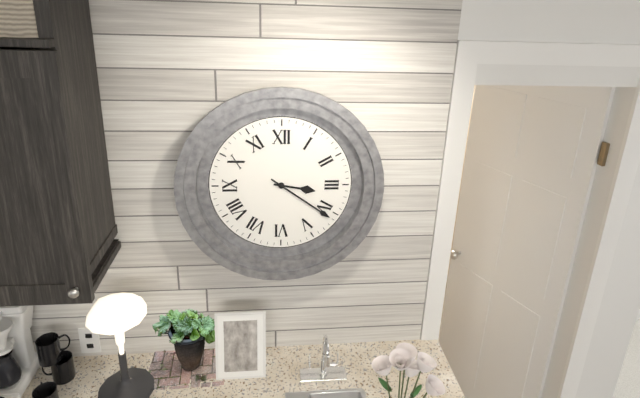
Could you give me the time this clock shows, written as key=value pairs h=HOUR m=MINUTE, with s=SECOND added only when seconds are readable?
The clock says h=3 m=21
